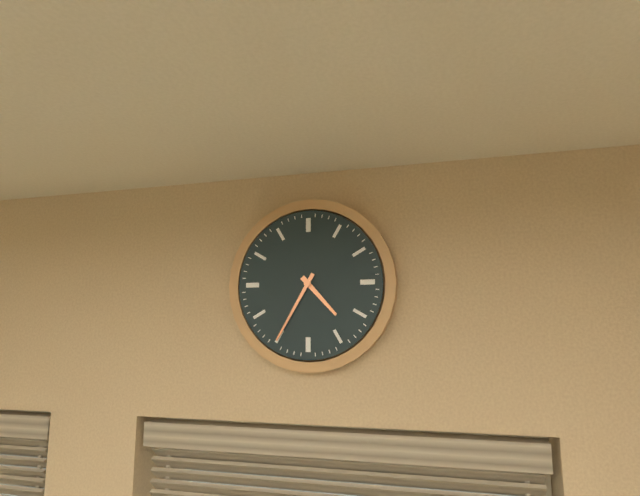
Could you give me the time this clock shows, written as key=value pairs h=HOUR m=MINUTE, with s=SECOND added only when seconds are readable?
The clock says h=4 m=35
